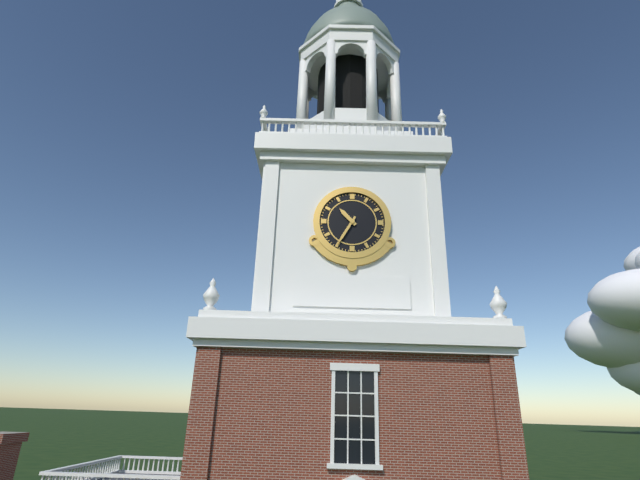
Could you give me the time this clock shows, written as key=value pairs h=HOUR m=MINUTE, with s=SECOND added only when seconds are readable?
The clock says h=10 m=35
